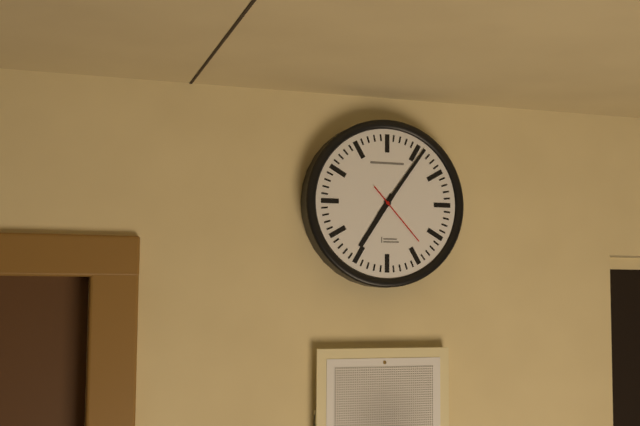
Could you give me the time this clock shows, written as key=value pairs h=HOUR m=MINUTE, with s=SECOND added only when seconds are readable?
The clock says h=7 m=6 s=23
